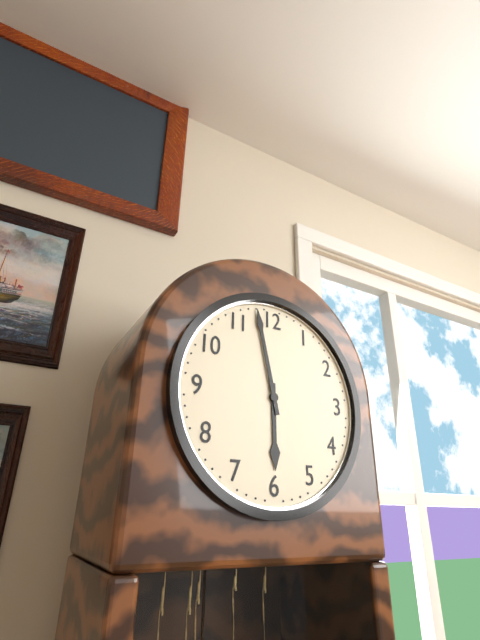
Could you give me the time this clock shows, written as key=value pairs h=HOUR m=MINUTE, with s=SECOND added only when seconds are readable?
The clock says h=5 m=58
